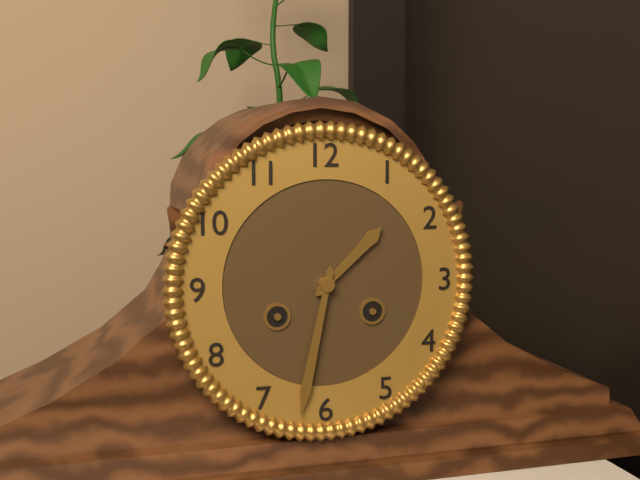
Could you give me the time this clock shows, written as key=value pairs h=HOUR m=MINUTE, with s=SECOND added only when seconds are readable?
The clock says h=1 m=32
